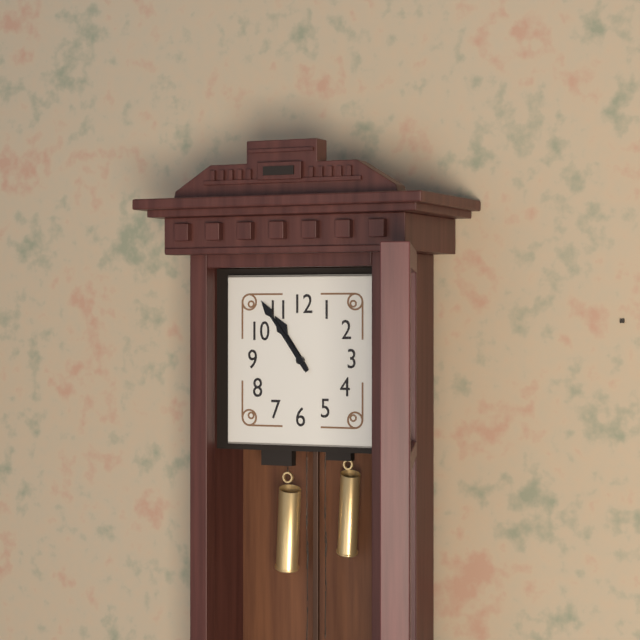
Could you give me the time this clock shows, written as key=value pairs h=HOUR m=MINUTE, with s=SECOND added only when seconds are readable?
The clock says h=10 m=54
